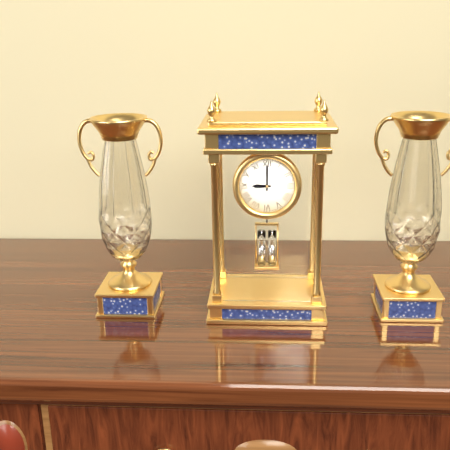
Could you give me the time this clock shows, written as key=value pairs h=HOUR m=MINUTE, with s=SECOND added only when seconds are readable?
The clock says h=9 m=0
